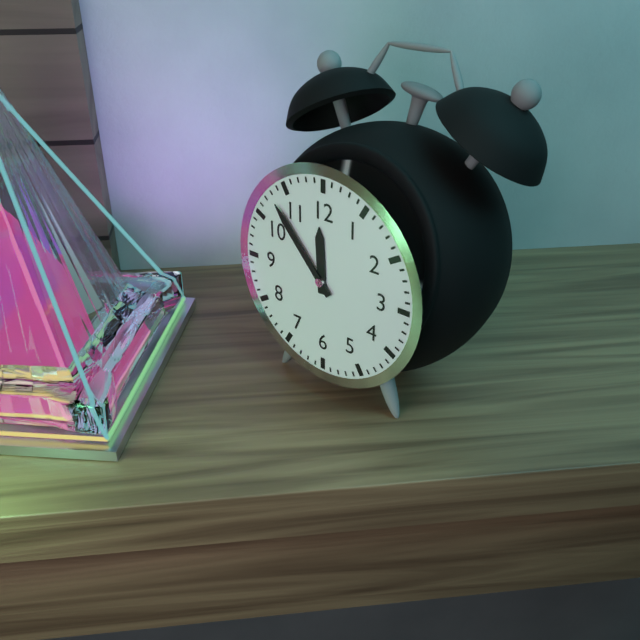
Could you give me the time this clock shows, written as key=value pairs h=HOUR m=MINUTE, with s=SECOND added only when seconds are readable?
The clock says h=11 m=53
